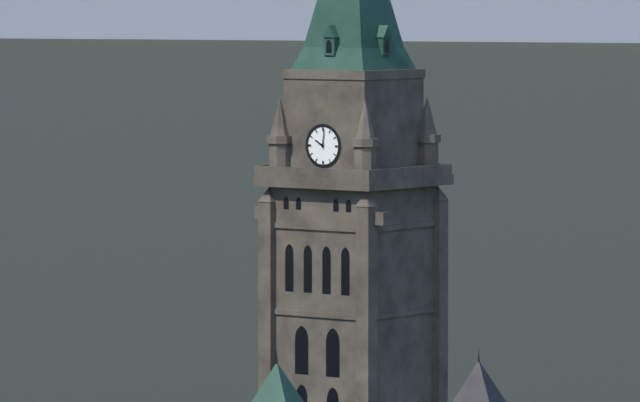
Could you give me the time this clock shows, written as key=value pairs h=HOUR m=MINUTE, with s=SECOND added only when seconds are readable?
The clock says h=10 m=1
